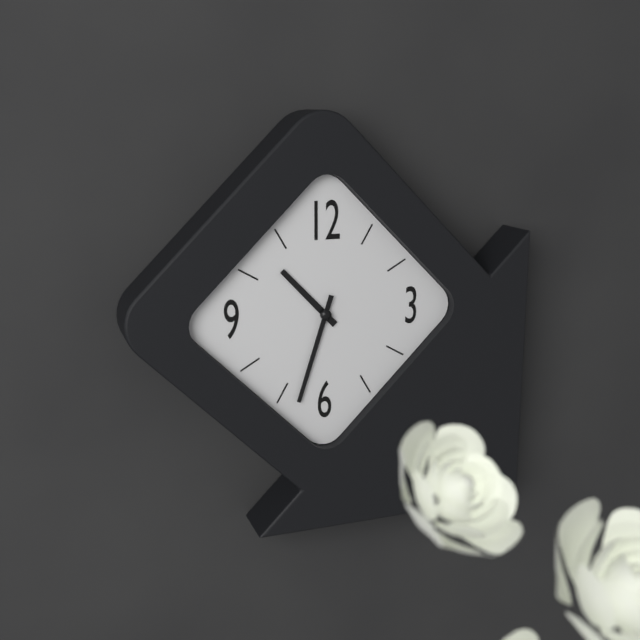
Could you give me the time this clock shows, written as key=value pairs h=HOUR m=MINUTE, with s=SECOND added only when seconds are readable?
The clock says h=10 m=33
